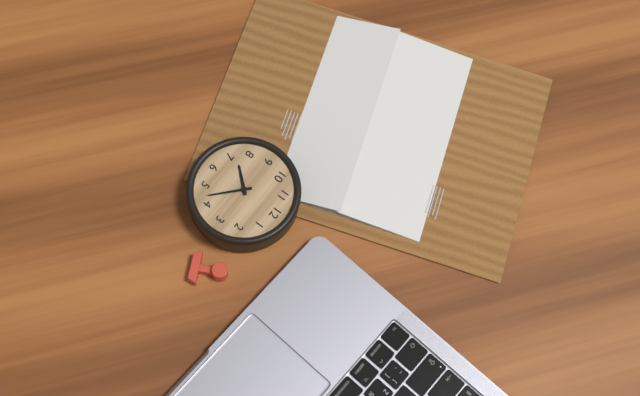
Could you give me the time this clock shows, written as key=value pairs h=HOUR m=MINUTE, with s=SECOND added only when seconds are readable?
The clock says h=7 m=22
